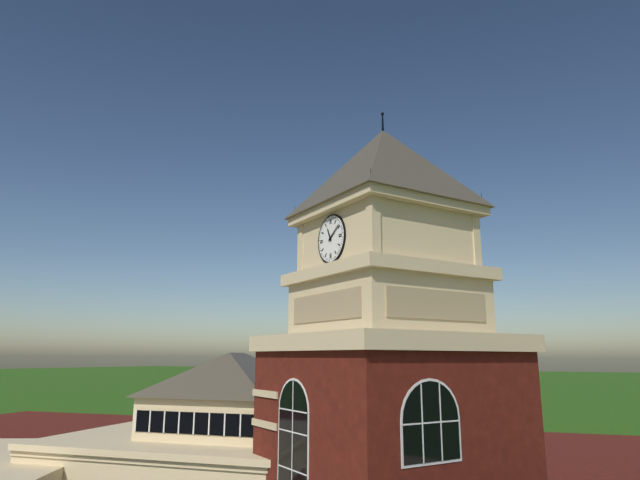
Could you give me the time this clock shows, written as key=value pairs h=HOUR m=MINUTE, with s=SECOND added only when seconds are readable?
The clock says h=11 m=9
